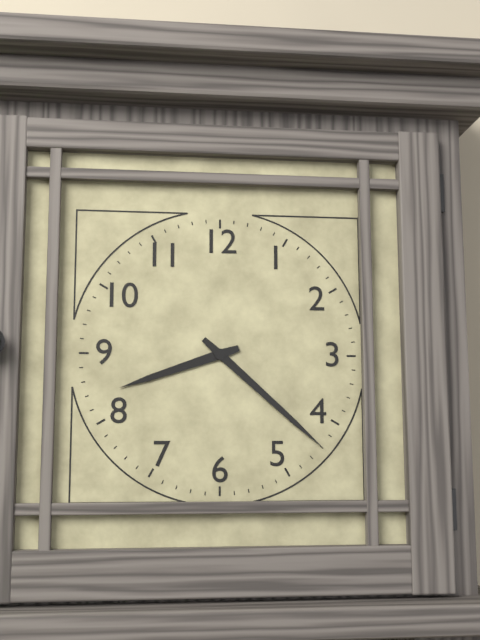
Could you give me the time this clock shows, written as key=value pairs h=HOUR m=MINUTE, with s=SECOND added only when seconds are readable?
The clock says h=8 m=22
